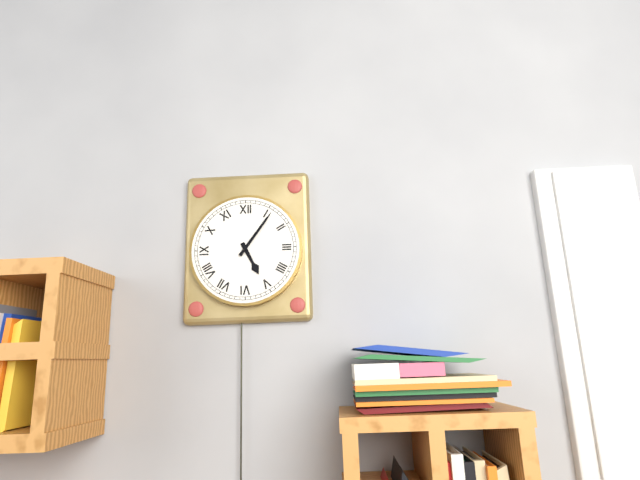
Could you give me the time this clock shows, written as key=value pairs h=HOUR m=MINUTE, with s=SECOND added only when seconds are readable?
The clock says h=5 m=6
